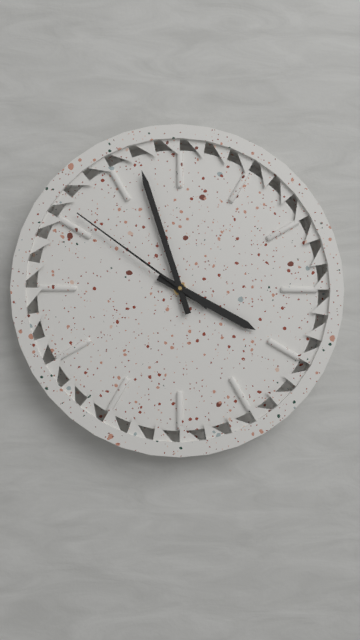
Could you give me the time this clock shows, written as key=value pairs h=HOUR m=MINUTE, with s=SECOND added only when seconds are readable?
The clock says h=3 m=57 s=51
